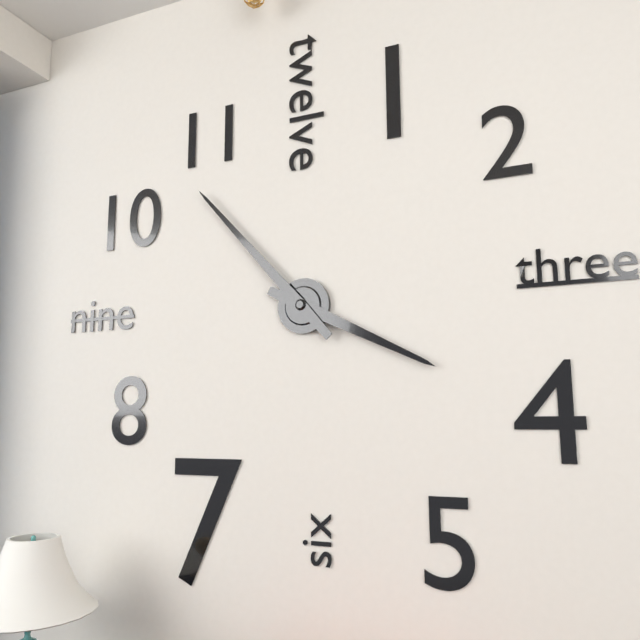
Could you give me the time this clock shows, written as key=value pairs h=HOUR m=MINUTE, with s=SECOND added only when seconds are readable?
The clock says h=3 m=53
